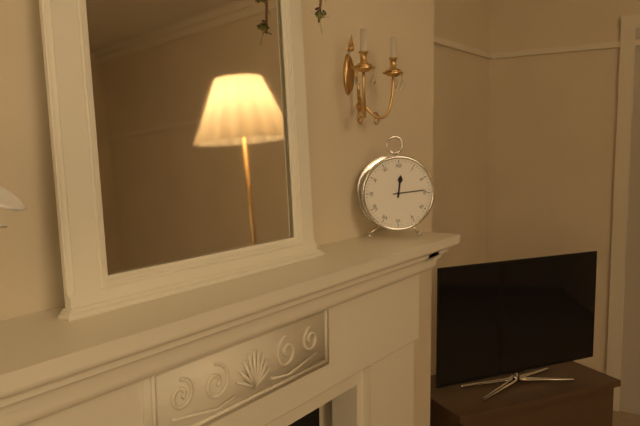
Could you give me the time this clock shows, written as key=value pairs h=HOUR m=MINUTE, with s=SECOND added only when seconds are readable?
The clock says h=12 m=14
